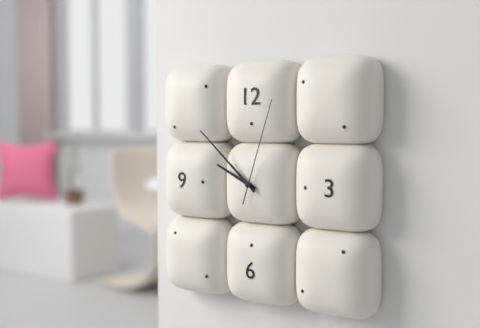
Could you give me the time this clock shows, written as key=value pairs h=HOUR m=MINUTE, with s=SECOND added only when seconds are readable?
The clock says h=9 m=52 s=3
